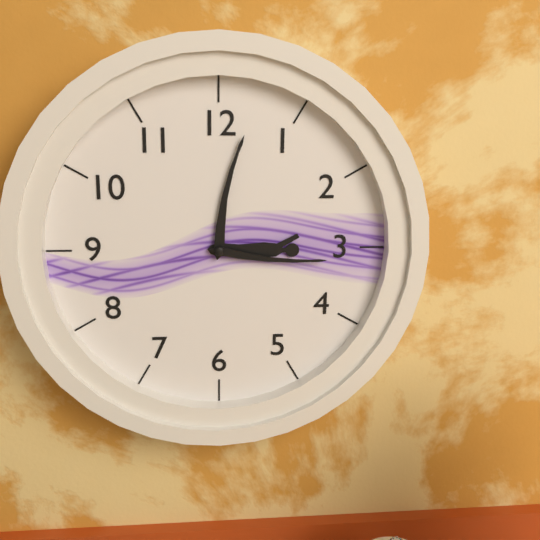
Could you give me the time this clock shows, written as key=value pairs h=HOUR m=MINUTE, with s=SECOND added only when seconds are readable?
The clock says h=3 m=2 s=16
